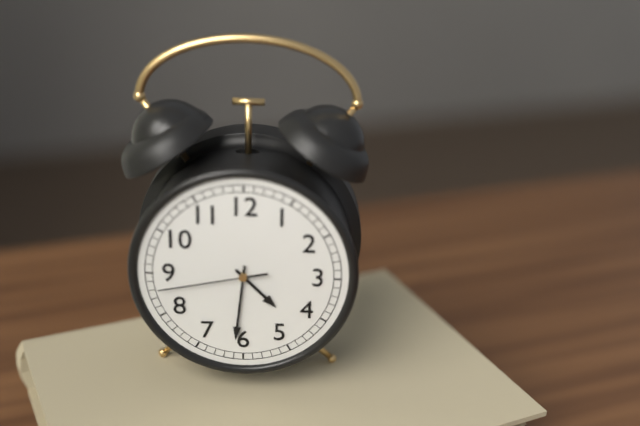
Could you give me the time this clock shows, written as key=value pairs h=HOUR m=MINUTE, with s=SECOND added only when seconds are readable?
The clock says h=4 m=31 s=43
